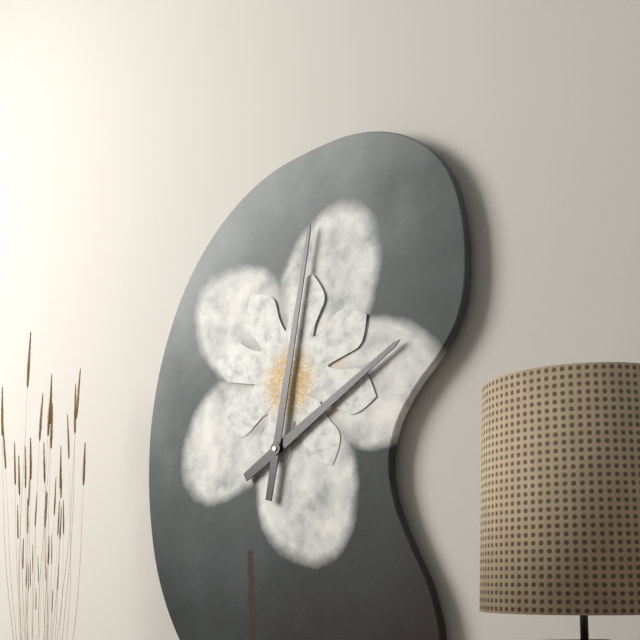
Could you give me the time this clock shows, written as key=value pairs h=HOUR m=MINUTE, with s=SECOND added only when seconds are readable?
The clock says h=2 m=2
